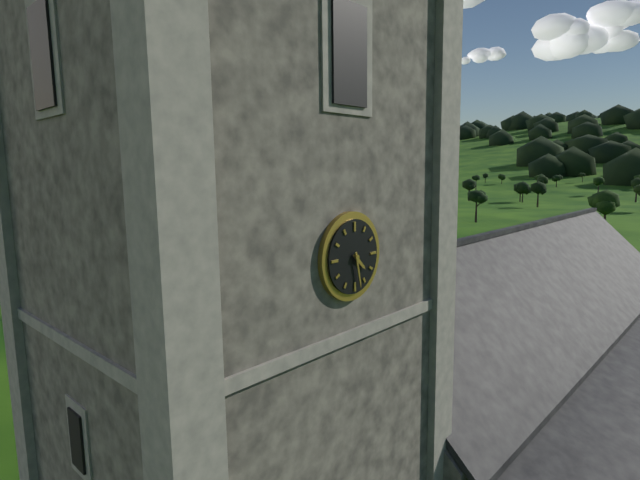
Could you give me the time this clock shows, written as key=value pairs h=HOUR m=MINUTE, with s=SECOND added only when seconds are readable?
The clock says h=4 m=28
